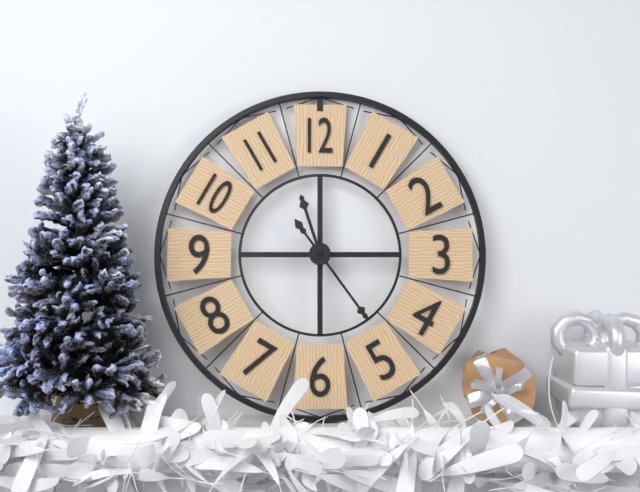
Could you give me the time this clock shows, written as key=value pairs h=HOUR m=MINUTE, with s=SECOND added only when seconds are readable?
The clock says h=11 m=24
